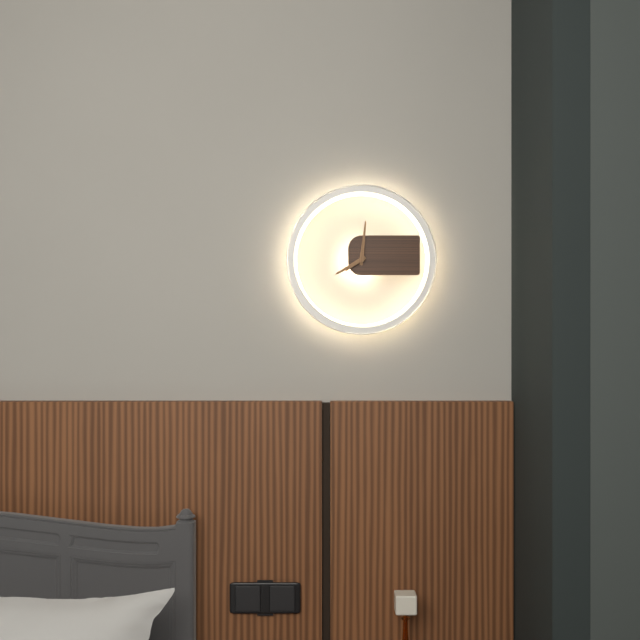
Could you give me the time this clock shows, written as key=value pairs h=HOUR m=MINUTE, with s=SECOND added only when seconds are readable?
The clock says h=8 m=1
